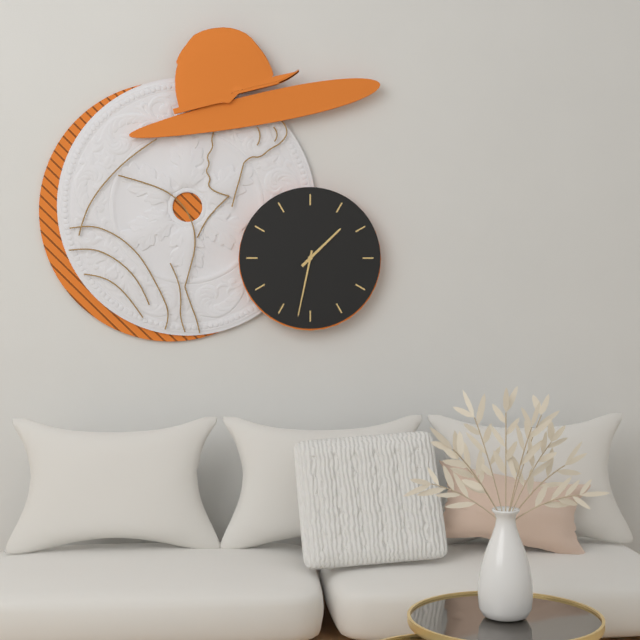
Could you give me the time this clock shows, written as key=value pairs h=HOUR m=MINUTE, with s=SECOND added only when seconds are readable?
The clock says h=1 m=32
